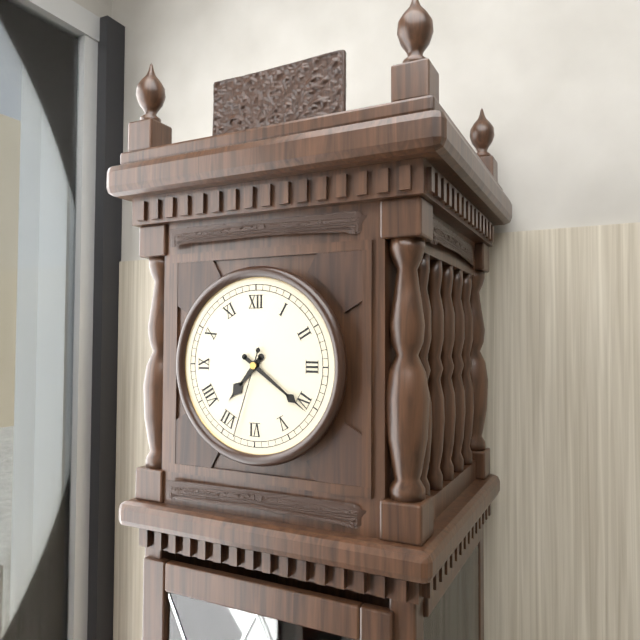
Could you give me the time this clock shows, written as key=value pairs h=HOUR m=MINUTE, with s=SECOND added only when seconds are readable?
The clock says h=7 m=21 s=33
